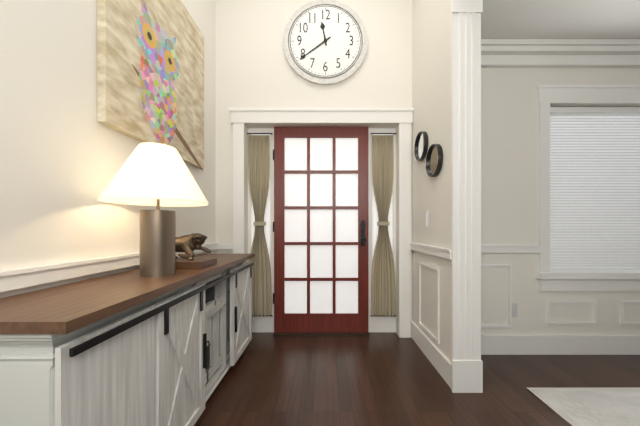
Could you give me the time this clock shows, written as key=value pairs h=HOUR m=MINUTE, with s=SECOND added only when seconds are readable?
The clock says h=11 m=39
